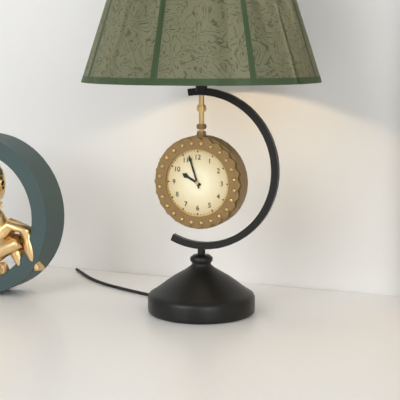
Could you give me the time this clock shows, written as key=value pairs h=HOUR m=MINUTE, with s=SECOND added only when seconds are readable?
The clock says h=9 m=57
